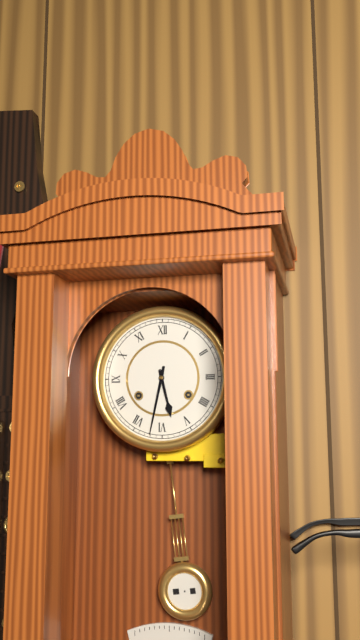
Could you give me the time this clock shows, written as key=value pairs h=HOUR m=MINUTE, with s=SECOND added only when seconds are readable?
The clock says h=5 m=32
